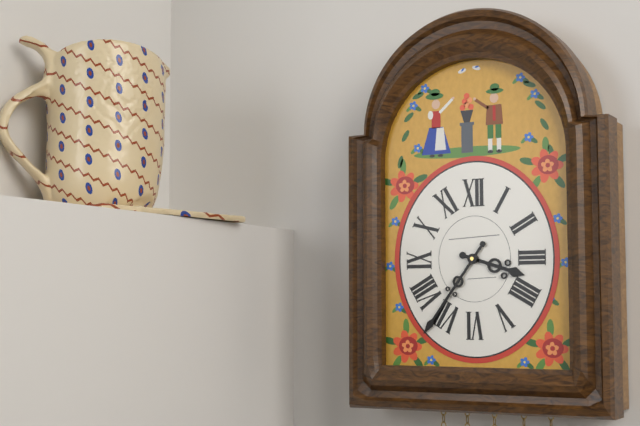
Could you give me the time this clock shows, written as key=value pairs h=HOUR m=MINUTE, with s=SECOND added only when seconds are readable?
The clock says h=3 m=36
